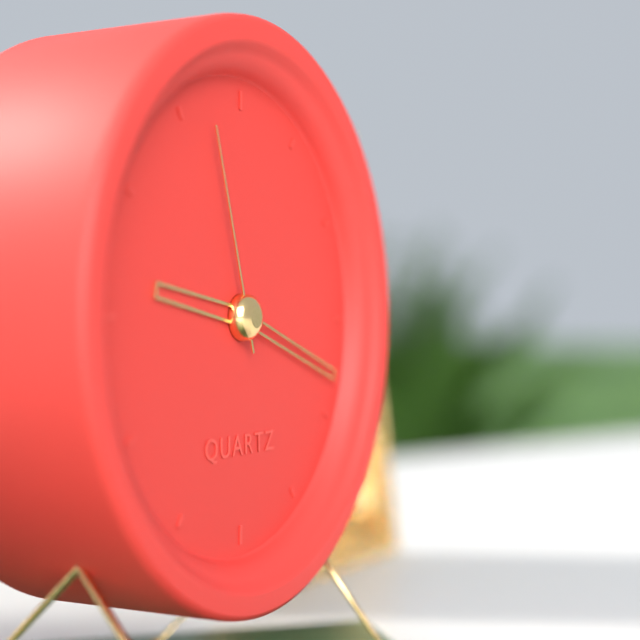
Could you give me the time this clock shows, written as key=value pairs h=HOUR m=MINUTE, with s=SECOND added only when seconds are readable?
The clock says h=9 m=18 s=57
